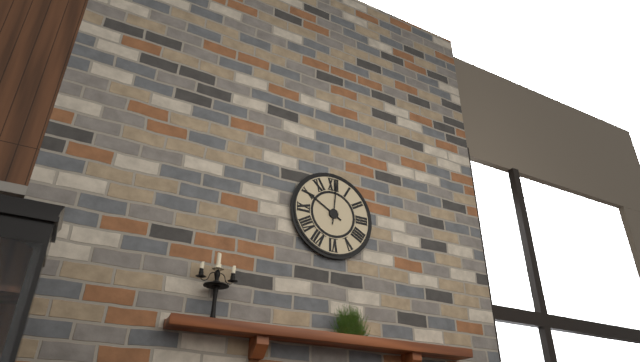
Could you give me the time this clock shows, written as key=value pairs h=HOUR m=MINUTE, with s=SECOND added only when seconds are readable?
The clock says h=10 m=1
